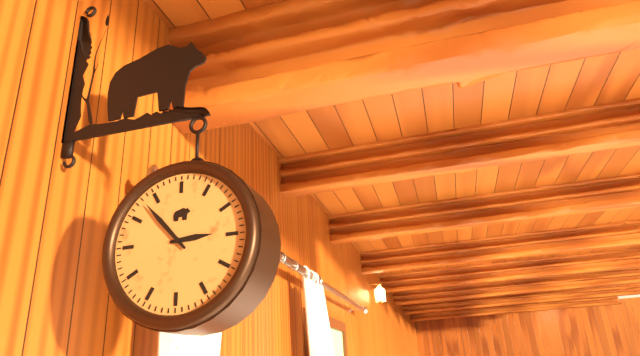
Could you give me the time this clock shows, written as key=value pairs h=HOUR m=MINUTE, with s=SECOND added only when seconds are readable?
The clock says h=2 m=53
